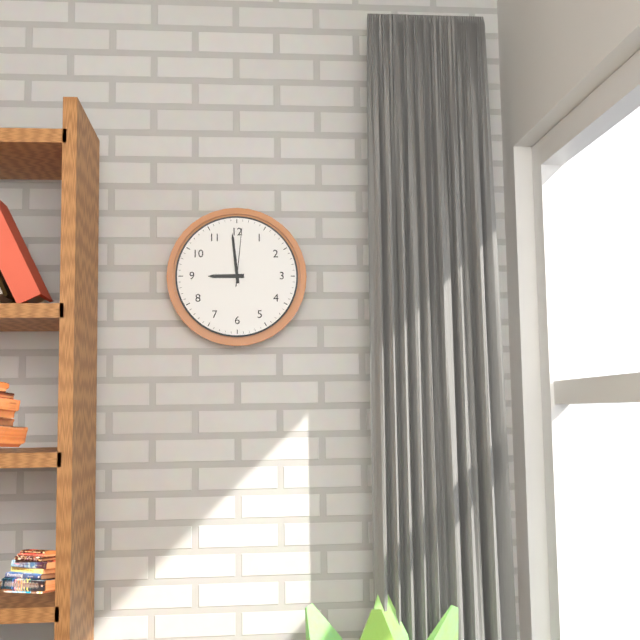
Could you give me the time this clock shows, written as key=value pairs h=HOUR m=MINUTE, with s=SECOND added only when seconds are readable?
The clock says h=8 m=59 s=1
